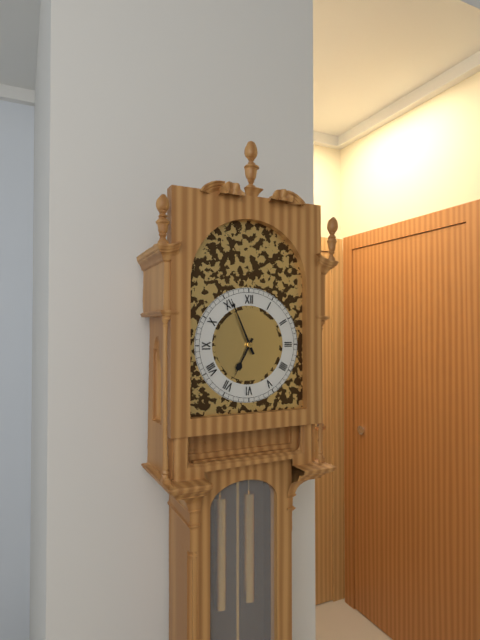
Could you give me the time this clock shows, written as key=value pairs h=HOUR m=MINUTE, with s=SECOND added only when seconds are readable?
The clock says h=6 m=56
